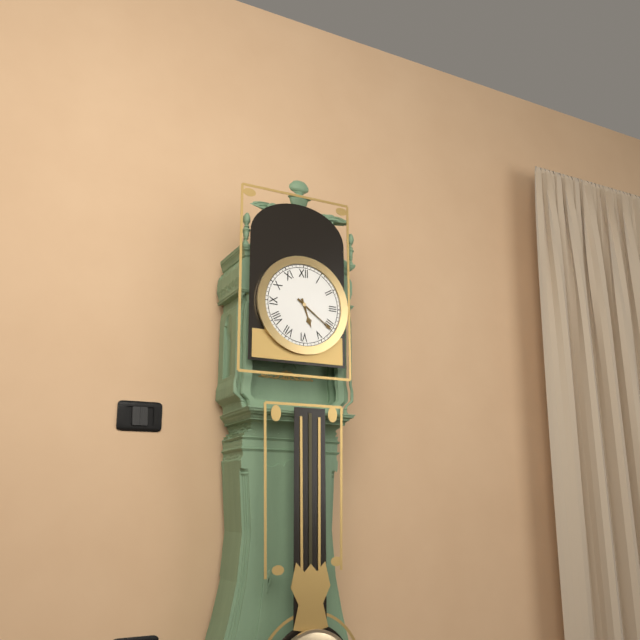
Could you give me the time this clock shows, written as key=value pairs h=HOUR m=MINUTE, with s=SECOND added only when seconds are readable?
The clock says h=5 m=21
